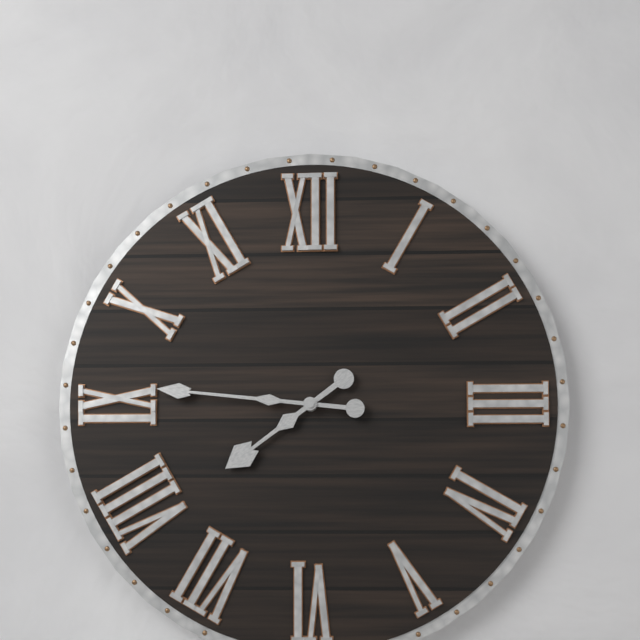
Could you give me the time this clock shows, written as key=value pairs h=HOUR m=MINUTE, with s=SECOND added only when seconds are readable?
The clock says h=7 m=46
